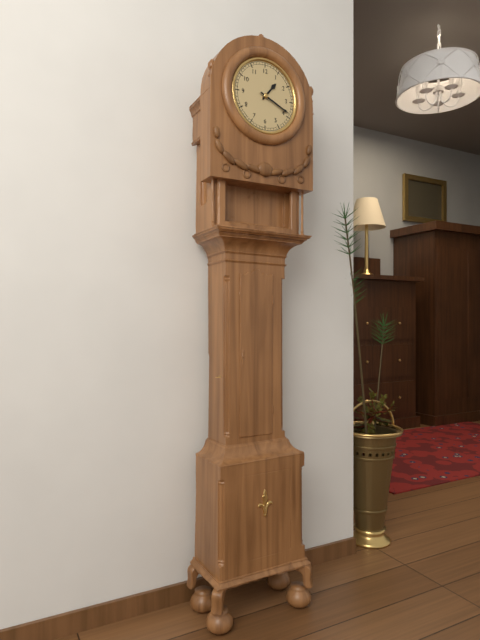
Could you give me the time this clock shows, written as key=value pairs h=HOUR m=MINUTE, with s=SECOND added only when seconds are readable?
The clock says h=1 m=19
